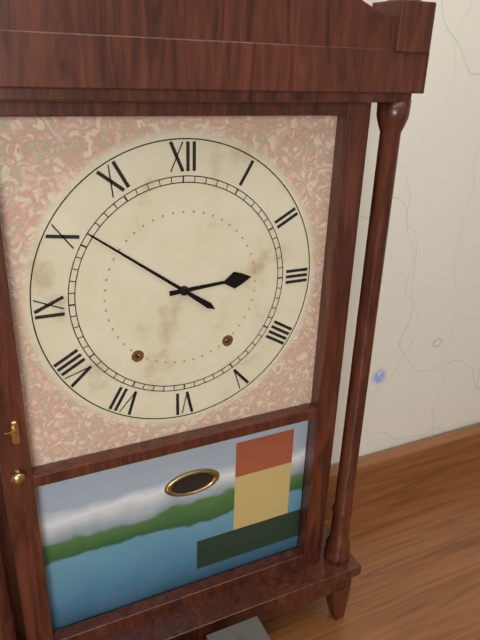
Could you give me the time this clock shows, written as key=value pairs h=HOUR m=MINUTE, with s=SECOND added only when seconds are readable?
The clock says h=2 m=51
